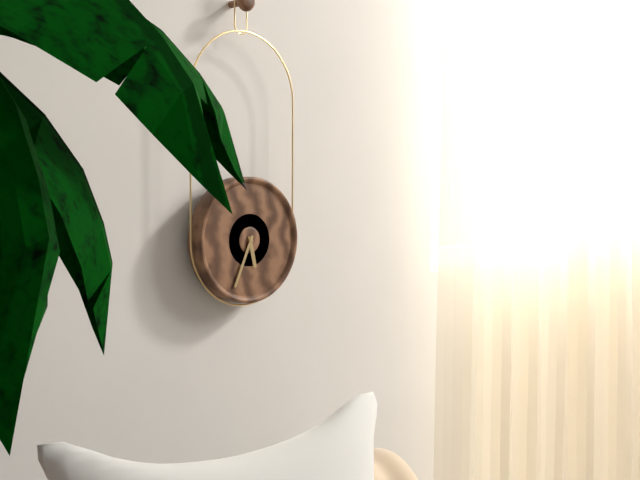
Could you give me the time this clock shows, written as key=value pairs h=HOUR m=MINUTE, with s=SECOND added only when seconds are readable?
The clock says h=5 m=34
